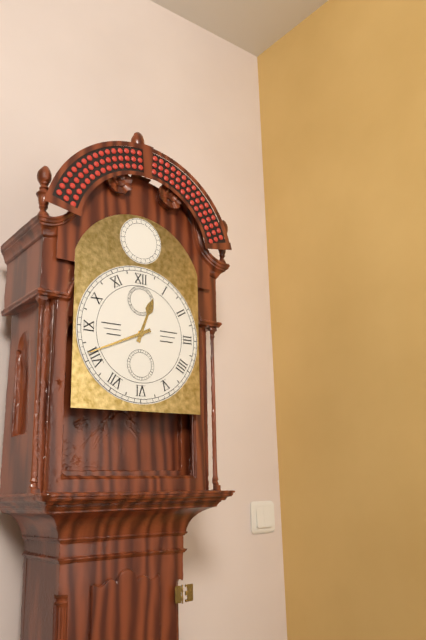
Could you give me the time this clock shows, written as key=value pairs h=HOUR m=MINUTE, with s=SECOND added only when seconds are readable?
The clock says h=12 m=41
